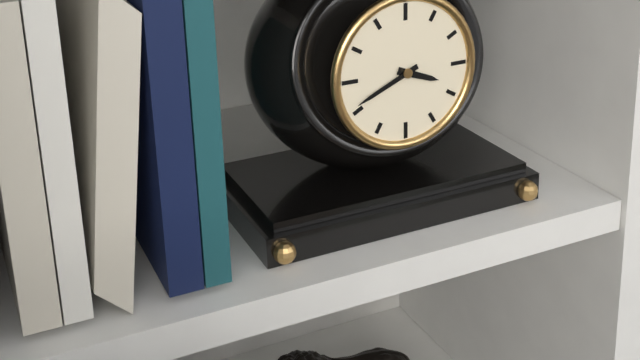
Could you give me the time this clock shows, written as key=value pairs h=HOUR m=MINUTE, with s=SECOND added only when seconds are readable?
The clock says h=3 m=41
